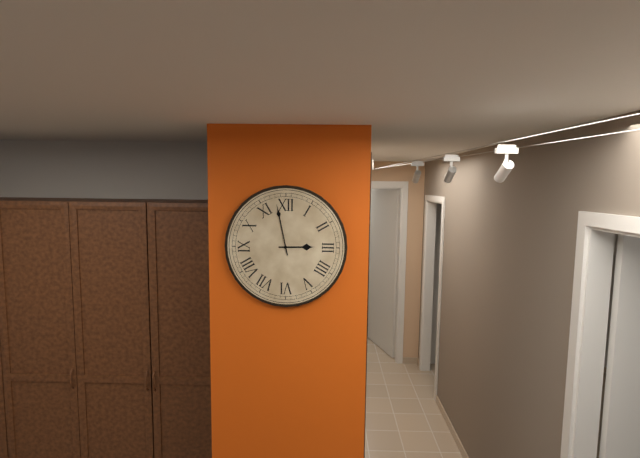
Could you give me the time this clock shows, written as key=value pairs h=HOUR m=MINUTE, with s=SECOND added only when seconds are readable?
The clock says h=2 m=58
